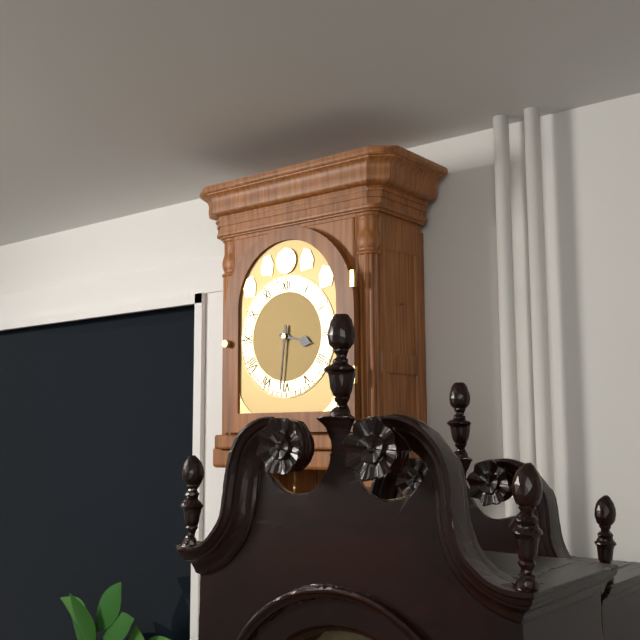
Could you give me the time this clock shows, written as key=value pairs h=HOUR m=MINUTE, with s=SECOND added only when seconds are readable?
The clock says h=3 m=31
